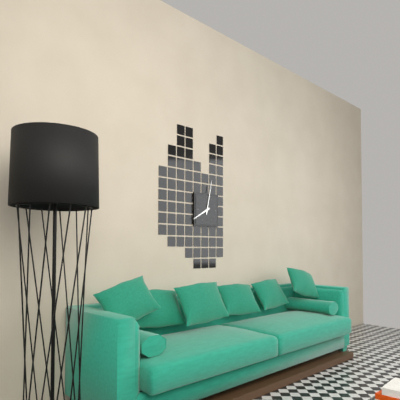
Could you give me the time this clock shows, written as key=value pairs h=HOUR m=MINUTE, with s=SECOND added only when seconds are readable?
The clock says h=8 m=2
